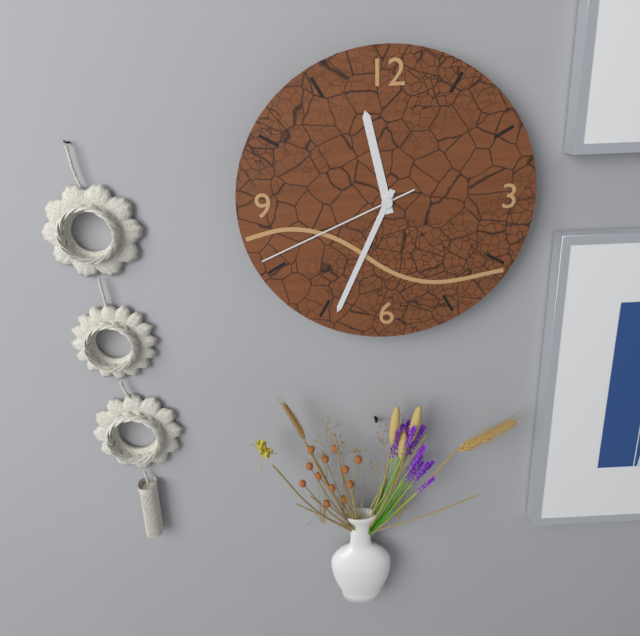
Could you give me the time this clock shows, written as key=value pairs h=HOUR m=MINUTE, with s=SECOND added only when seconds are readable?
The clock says h=11 m=34 s=41
